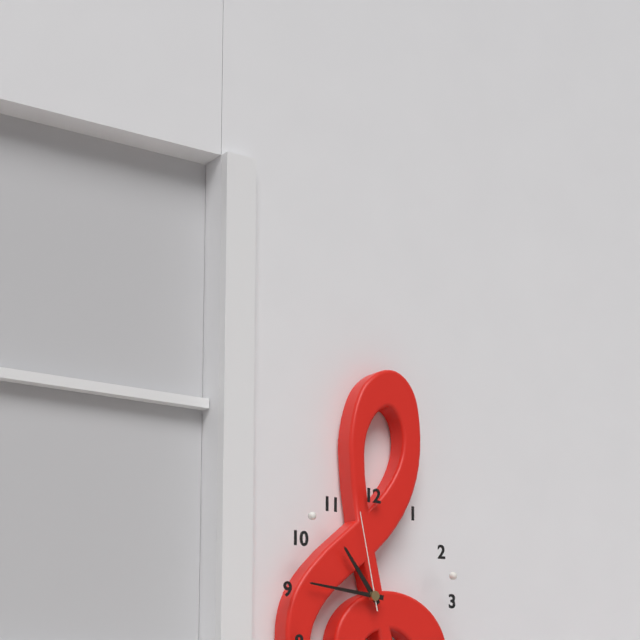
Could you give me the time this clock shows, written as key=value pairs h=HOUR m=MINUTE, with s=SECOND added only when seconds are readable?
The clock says h=10 m=46 s=58
